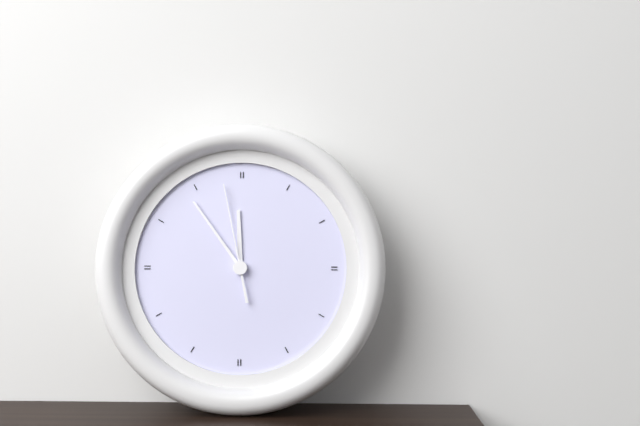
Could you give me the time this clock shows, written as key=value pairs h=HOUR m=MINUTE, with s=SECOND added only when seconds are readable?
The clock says h=11 m=54 s=58
